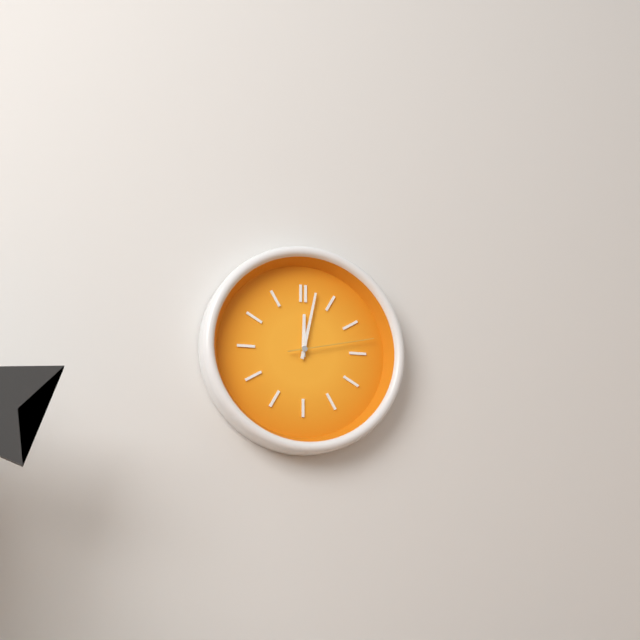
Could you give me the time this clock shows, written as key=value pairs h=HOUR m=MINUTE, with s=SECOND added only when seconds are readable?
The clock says h=12 m=2 s=13
